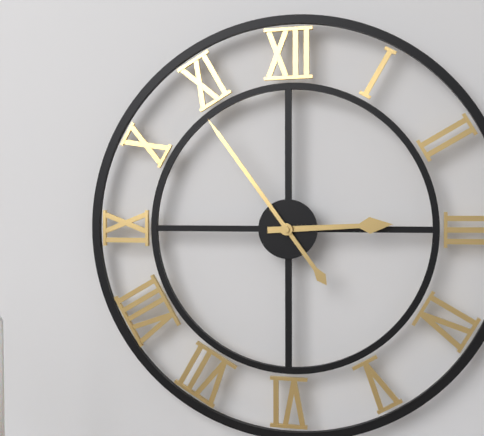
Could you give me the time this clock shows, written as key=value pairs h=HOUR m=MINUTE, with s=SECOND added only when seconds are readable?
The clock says h=2 m=54
